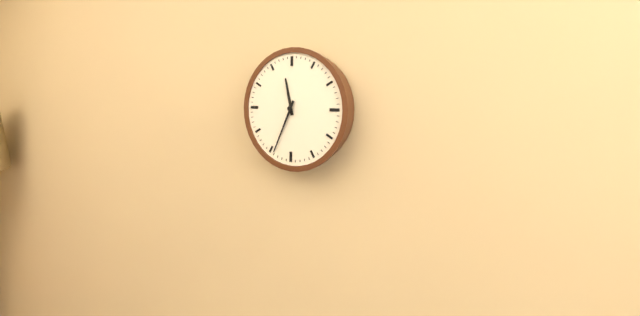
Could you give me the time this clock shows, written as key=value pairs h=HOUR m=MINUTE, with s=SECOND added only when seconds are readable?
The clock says h=11 m=34
